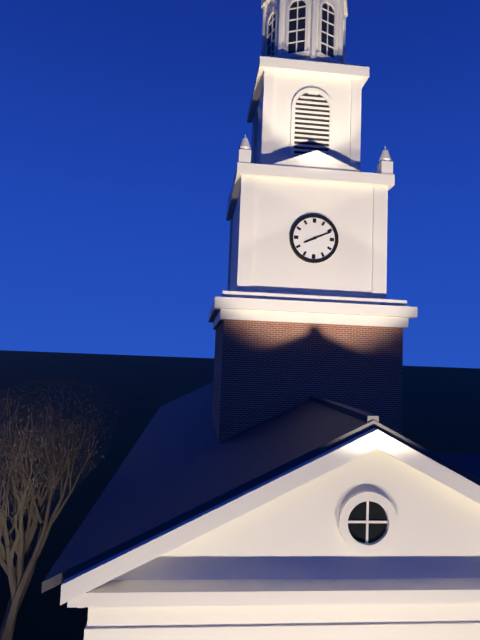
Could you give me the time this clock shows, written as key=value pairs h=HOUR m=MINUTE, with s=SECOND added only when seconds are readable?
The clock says h=8 m=11
